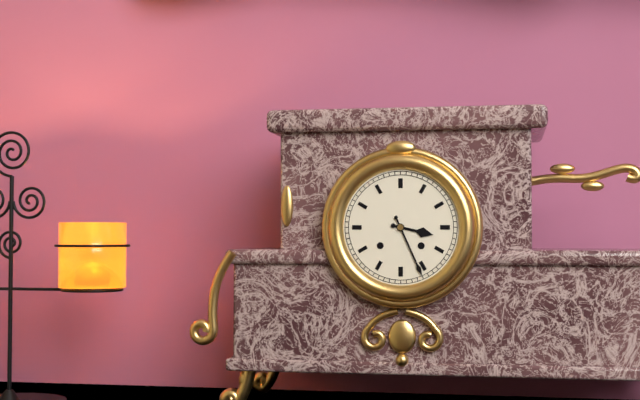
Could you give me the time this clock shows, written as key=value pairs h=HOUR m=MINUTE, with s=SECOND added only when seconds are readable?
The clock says h=3 m=26
